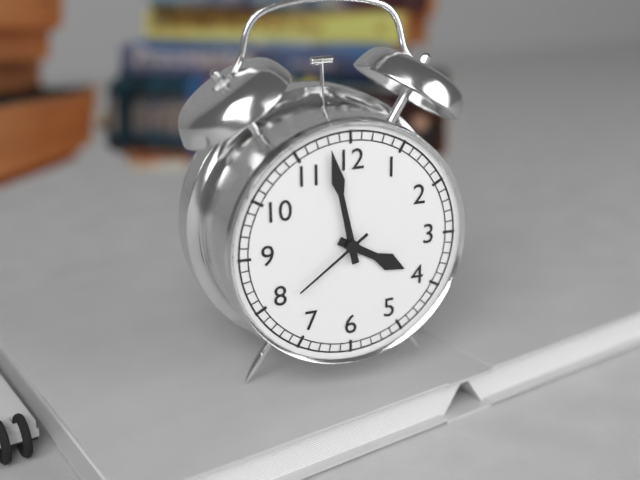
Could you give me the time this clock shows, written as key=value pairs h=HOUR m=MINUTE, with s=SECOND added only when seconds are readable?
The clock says h=3 m=58 s=39
